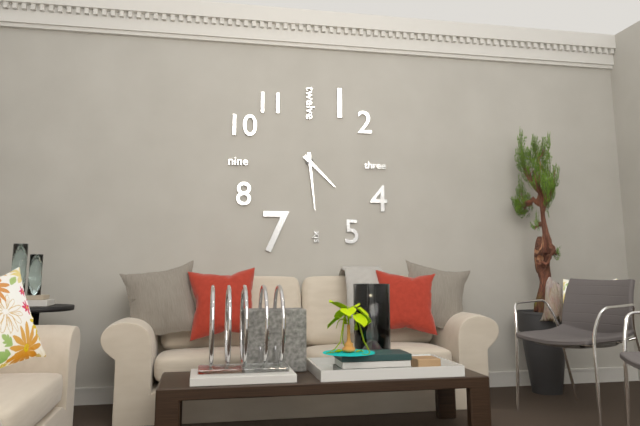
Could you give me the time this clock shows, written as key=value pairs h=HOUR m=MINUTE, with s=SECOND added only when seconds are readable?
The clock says h=4 m=29
